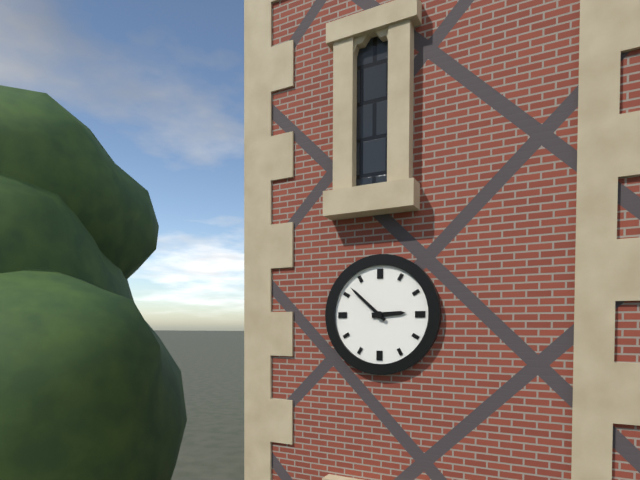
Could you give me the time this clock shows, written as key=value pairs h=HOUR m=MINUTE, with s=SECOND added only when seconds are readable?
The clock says h=2 m=52
